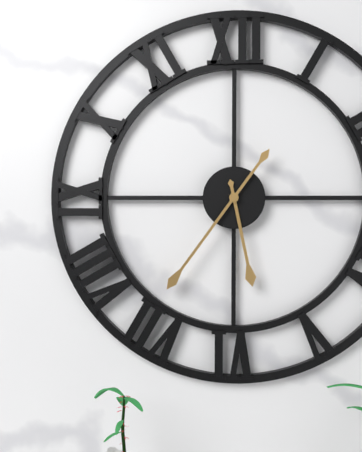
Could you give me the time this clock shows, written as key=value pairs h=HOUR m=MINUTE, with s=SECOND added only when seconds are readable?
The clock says h=5 m=36
